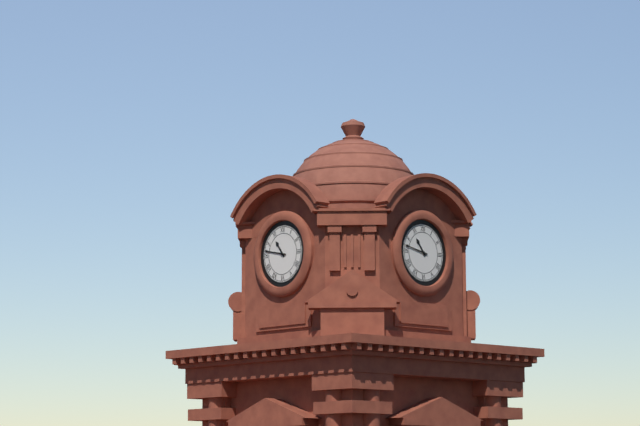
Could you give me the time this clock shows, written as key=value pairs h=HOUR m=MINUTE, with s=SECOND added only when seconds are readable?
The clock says h=10 m=47
